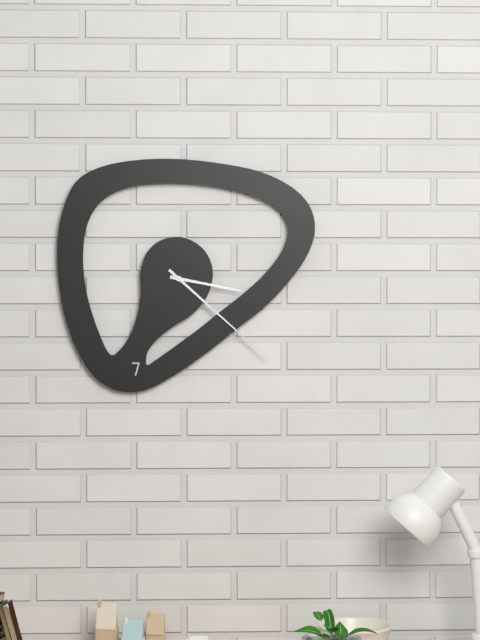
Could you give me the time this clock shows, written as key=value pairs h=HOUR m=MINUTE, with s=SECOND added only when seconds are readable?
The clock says h=3 m=22
